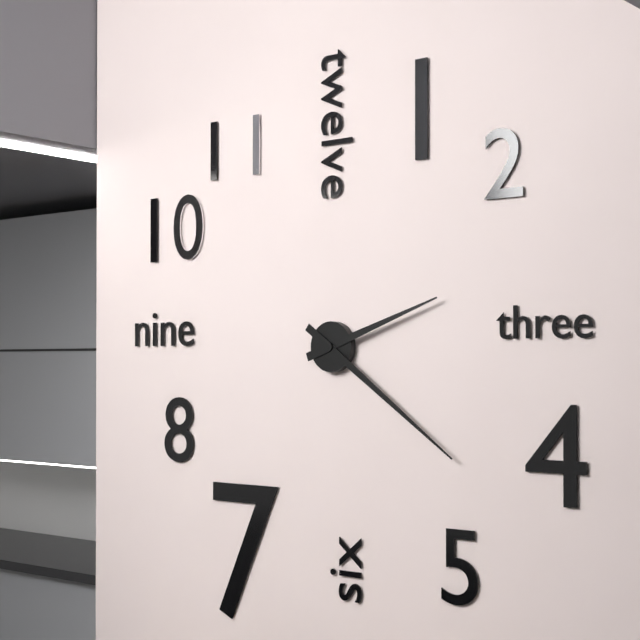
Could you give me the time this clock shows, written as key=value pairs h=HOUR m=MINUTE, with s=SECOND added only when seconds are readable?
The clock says h=2 m=21
